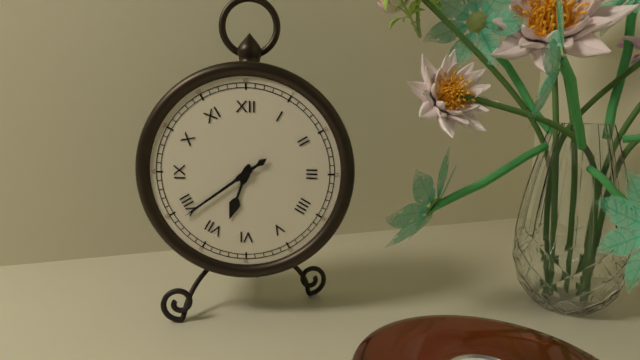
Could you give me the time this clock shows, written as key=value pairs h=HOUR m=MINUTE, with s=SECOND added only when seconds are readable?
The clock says h=6 m=39
